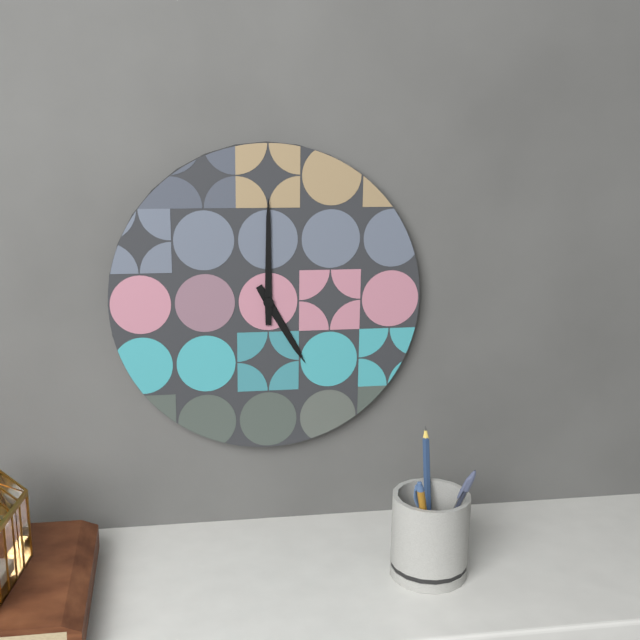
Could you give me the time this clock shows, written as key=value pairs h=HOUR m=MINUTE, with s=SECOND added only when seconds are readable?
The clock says h=5 m=0
